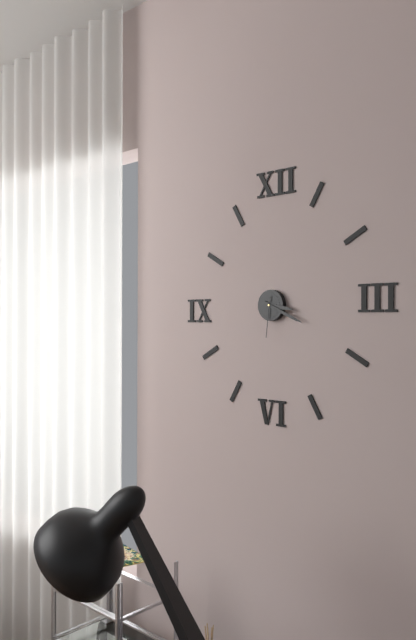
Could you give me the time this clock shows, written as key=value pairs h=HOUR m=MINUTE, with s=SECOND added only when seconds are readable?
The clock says h=3 m=19
